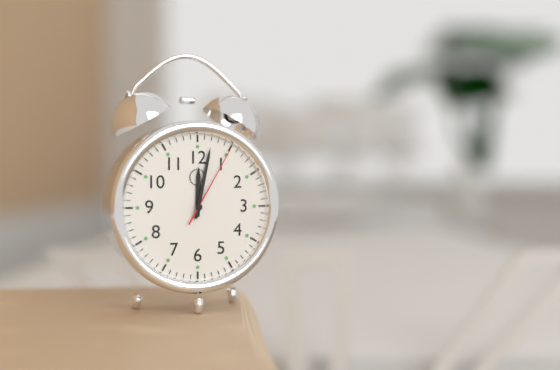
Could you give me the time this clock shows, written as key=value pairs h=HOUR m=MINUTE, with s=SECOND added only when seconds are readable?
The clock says h=12 m=2 s=5
